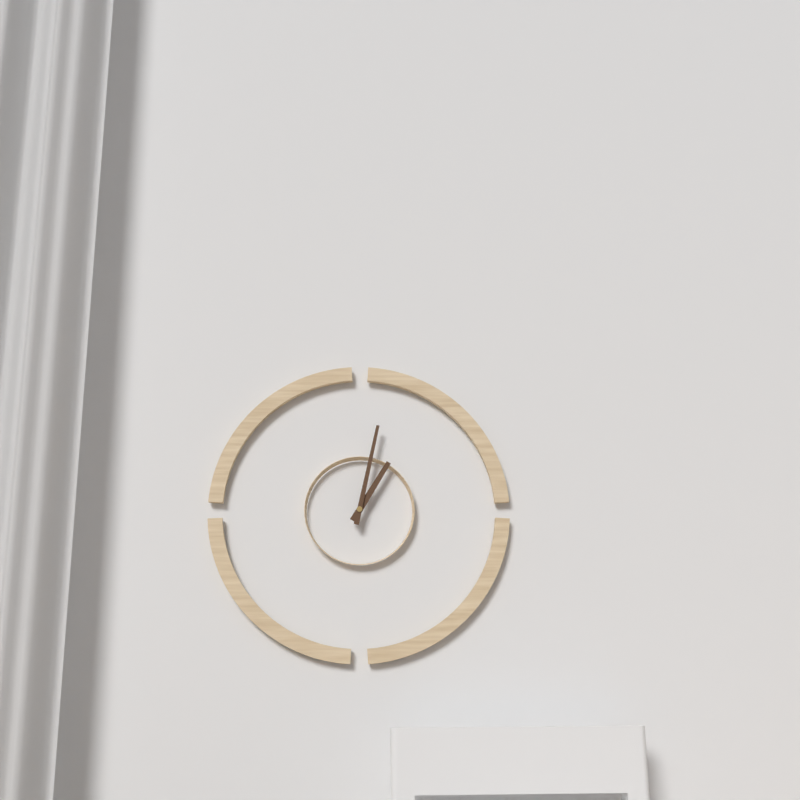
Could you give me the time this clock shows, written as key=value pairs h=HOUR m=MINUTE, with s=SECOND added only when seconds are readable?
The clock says h=1 m=2
